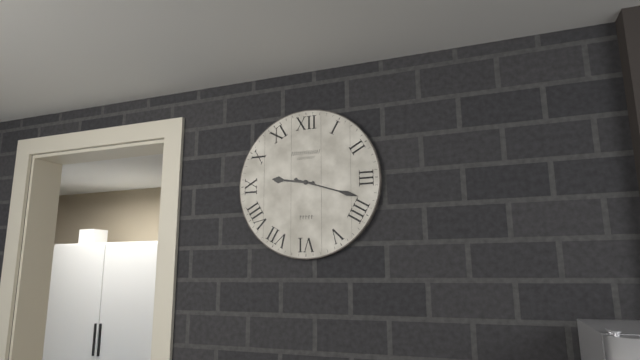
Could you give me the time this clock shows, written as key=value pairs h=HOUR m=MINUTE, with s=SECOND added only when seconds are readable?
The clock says h=9 m=18
